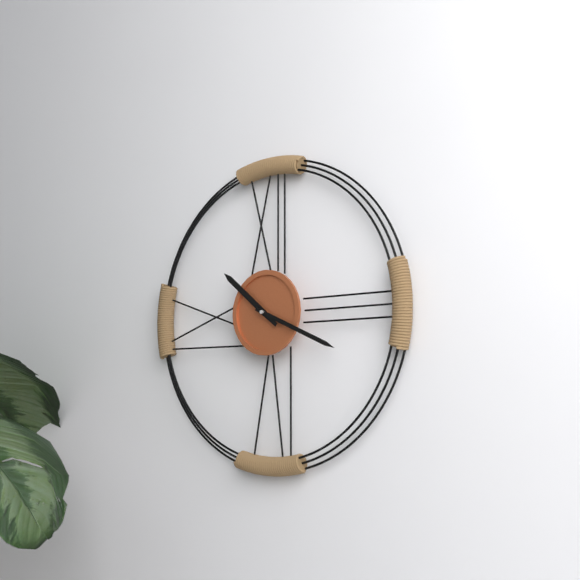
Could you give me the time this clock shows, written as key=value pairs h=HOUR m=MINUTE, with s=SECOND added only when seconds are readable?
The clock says h=10 m=19
